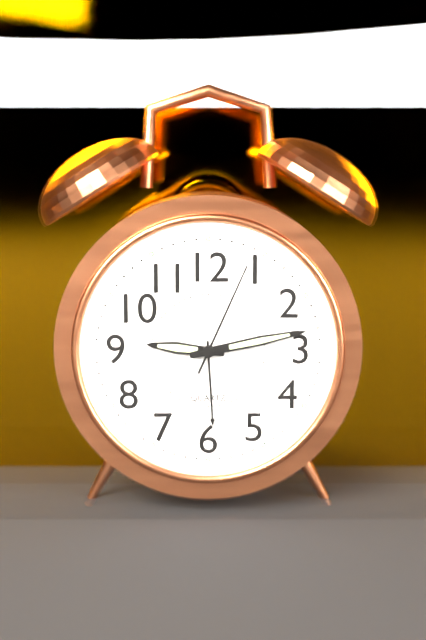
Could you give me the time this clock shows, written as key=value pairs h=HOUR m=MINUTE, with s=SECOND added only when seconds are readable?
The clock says h=9 m=13 s=4
